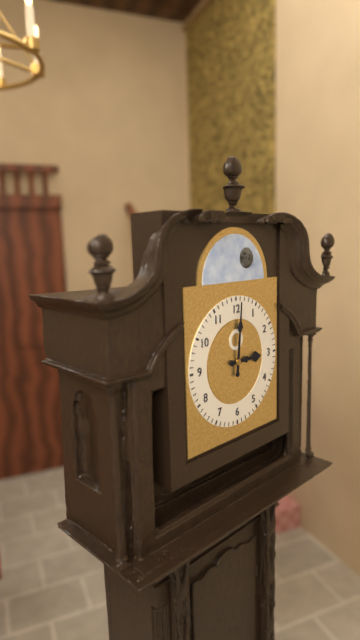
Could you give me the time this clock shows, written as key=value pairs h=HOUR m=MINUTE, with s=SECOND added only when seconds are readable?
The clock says h=3 m=1
